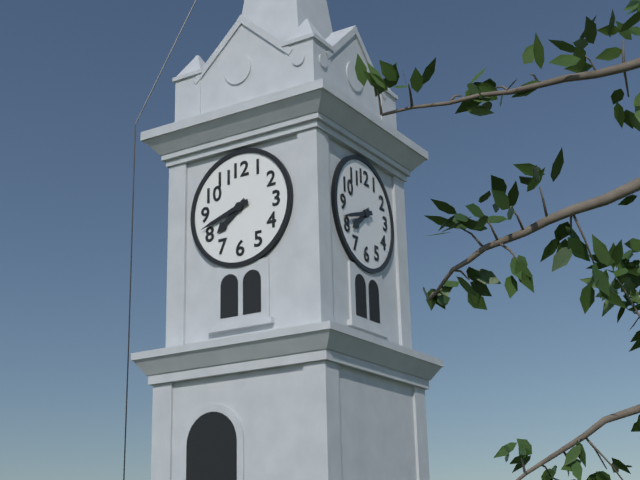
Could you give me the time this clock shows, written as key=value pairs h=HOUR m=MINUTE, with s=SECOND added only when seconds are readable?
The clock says h=7 m=42
